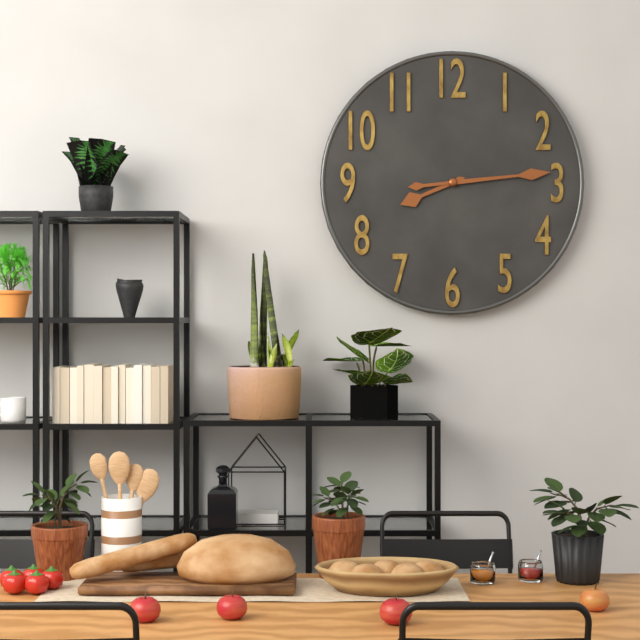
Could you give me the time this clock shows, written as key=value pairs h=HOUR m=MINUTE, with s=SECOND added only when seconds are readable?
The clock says h=8 m=14
